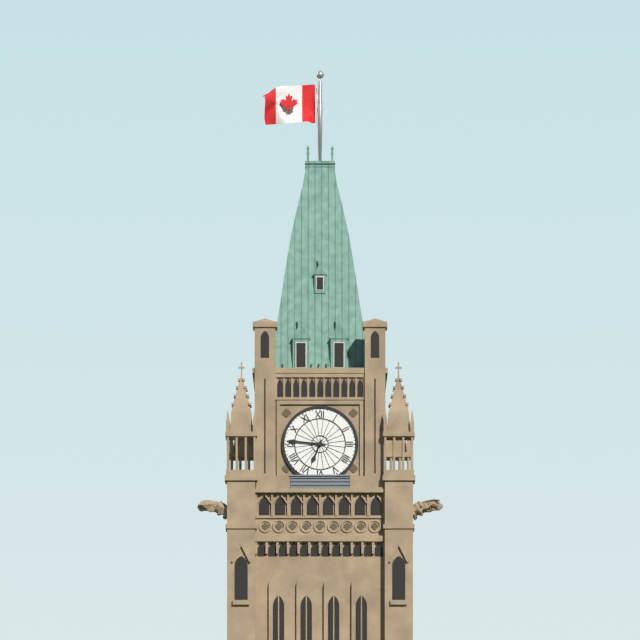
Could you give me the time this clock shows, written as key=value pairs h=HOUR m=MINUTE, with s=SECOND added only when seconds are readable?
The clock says h=6 m=46
